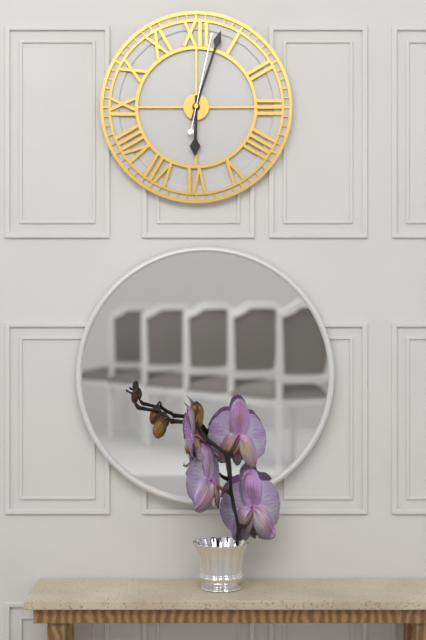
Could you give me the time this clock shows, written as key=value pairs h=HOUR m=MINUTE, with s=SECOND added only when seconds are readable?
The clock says h=6 m=3 s=2
